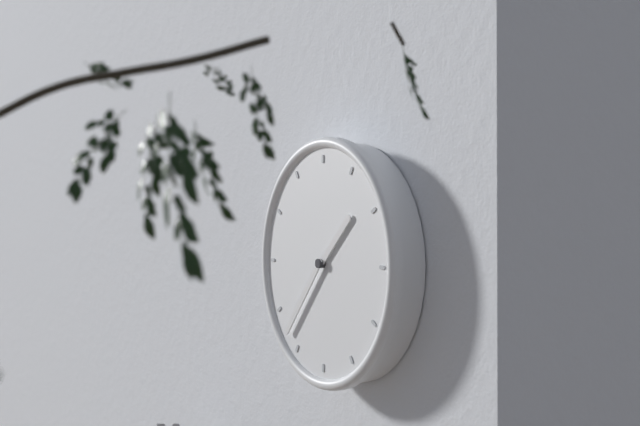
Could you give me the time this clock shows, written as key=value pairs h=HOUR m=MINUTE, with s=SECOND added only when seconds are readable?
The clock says h=1 m=37
